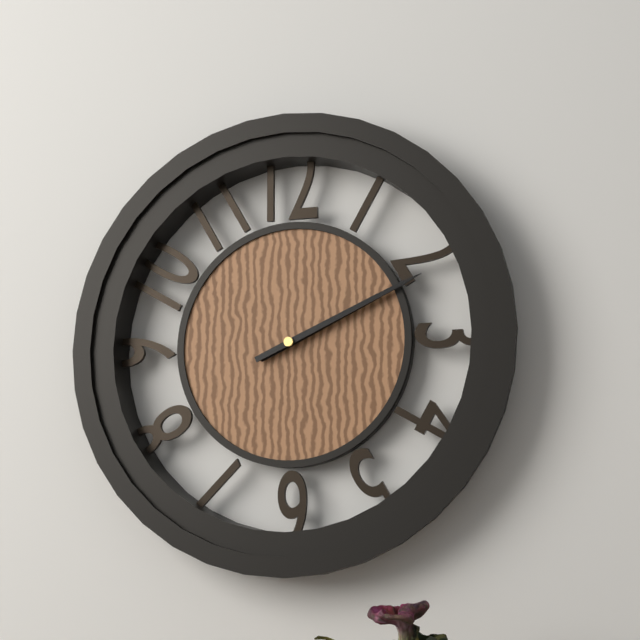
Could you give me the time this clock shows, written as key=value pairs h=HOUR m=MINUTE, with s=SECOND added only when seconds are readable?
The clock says h=2 m=11
